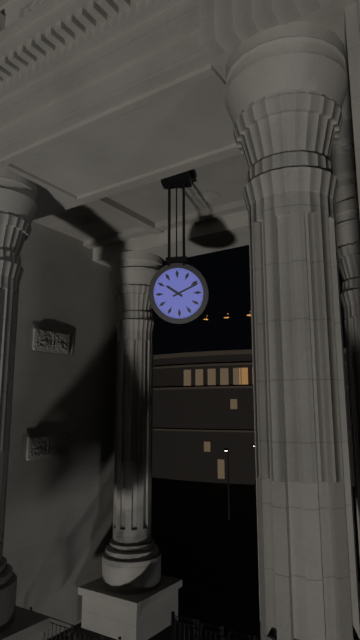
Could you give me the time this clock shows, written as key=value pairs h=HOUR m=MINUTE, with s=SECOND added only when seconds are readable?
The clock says h=10 m=11
